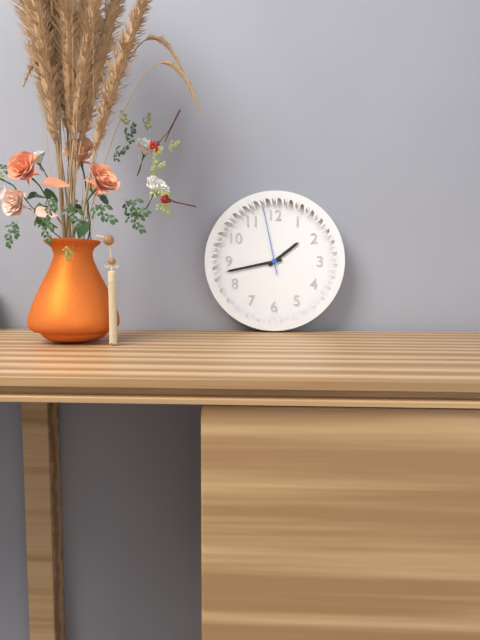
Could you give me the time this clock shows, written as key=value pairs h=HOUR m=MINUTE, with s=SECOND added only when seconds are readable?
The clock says h=1 m=43 s=58
